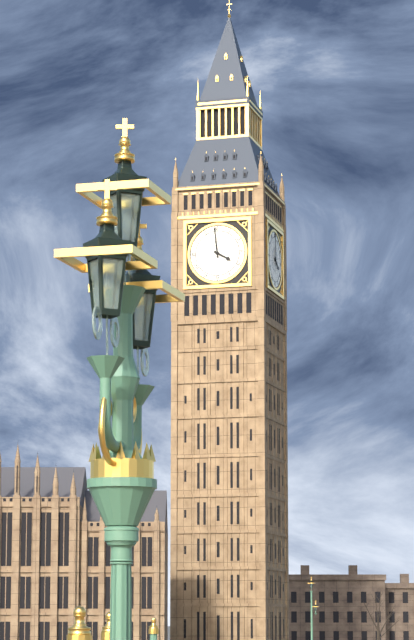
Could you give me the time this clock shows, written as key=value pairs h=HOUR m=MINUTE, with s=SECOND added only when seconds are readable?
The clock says h=3 m=59
